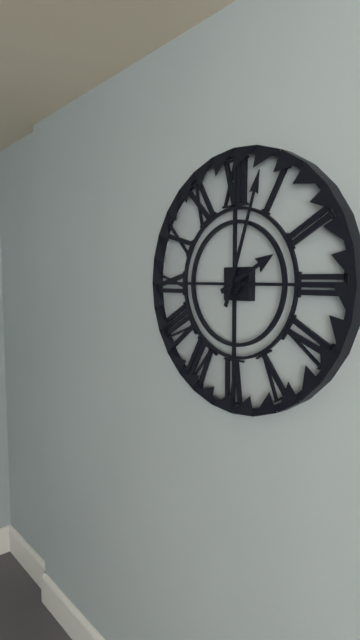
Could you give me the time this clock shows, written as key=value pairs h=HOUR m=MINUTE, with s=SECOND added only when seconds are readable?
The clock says h=2 m=3
